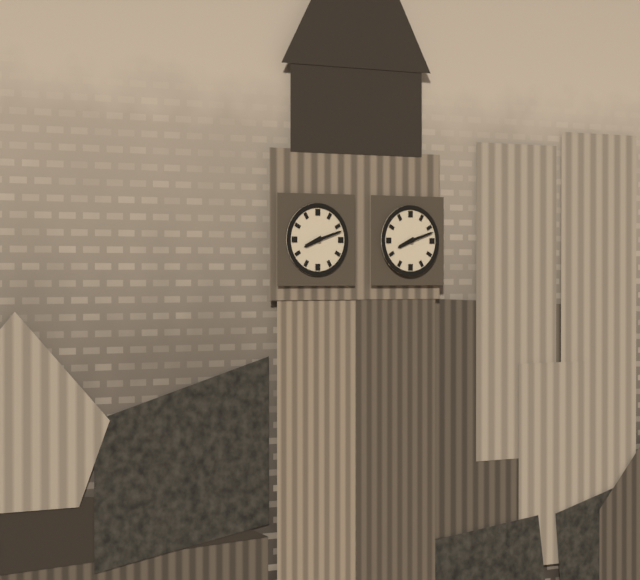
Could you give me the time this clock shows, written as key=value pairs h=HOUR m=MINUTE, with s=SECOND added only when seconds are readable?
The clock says h=8 m=12
